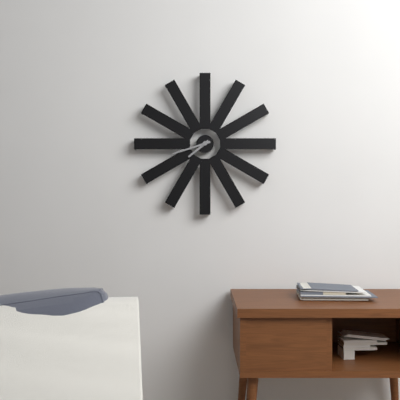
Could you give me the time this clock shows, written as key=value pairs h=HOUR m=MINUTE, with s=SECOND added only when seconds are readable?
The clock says h=7 m=42
